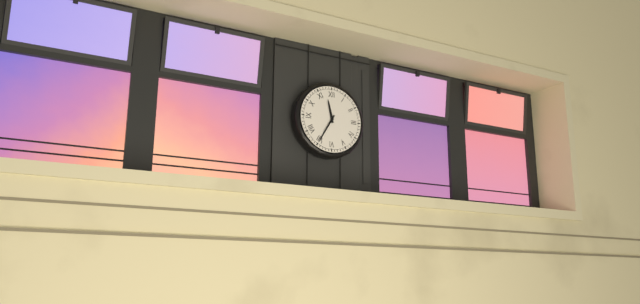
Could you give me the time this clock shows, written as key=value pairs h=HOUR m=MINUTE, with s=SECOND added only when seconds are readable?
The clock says h=11 m=35
